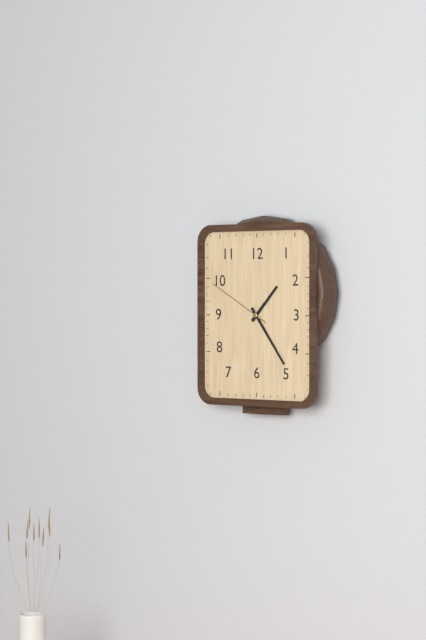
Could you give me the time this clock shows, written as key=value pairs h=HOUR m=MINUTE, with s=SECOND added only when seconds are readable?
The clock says h=1 m=24 s=50
